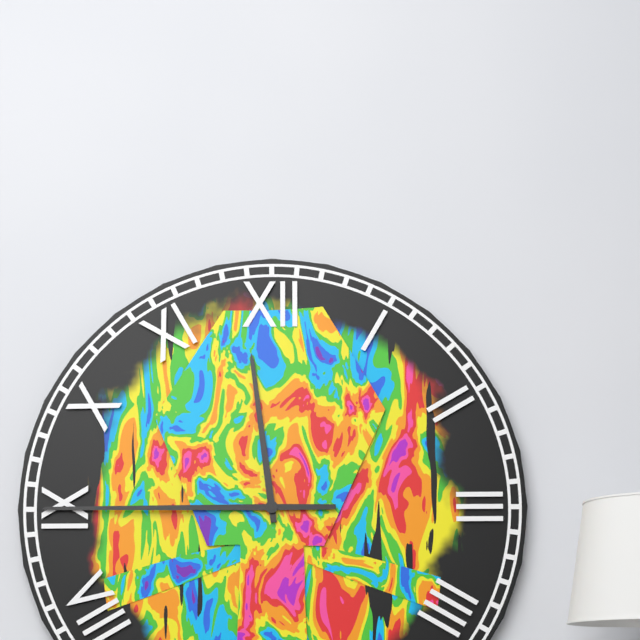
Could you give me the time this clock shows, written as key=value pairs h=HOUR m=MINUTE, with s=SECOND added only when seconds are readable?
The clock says h=11 m=45
